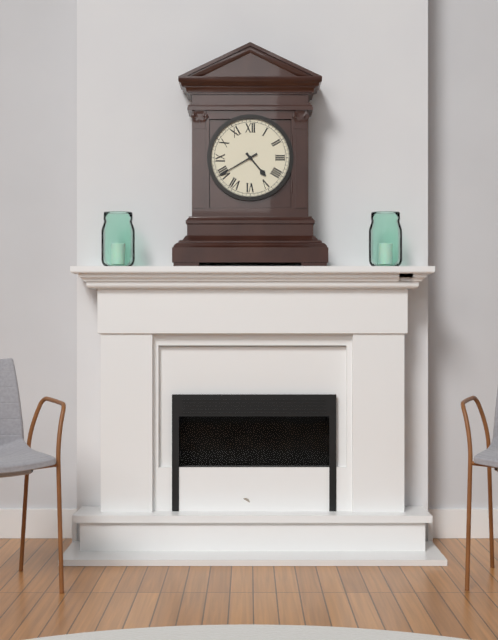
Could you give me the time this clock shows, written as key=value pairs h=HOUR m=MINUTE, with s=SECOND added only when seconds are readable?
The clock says h=4 m=40
